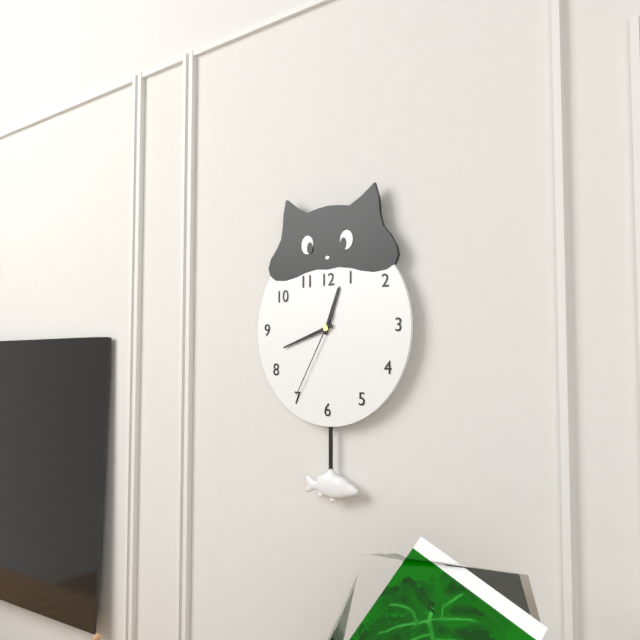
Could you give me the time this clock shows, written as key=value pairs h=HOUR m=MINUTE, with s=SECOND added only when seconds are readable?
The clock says h=12 m=42 s=35
